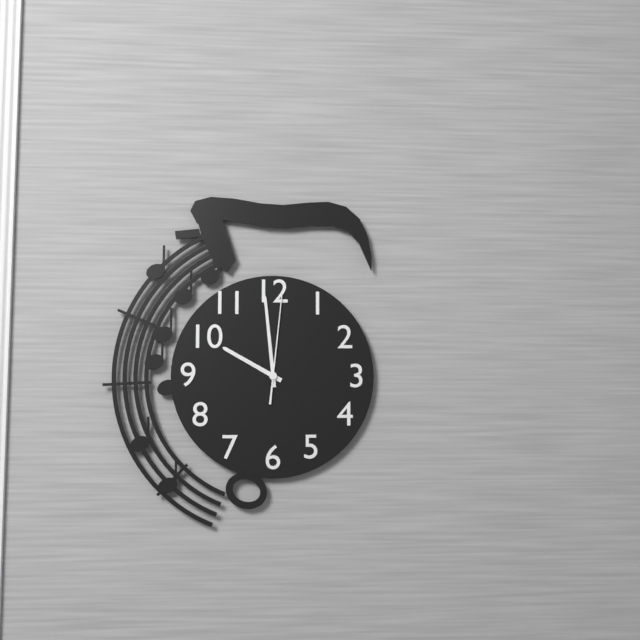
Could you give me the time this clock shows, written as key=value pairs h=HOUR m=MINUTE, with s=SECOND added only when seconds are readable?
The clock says h=9 m=59 s=1
